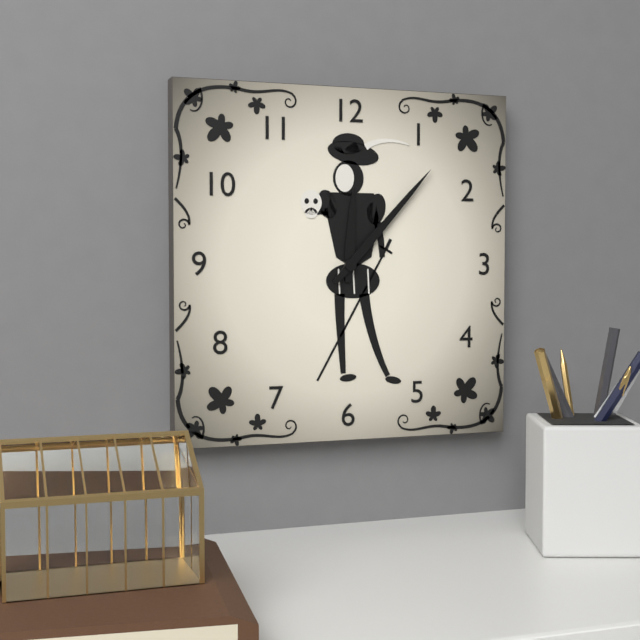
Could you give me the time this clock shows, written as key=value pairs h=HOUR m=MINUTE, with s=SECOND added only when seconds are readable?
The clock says h=12 m=7
